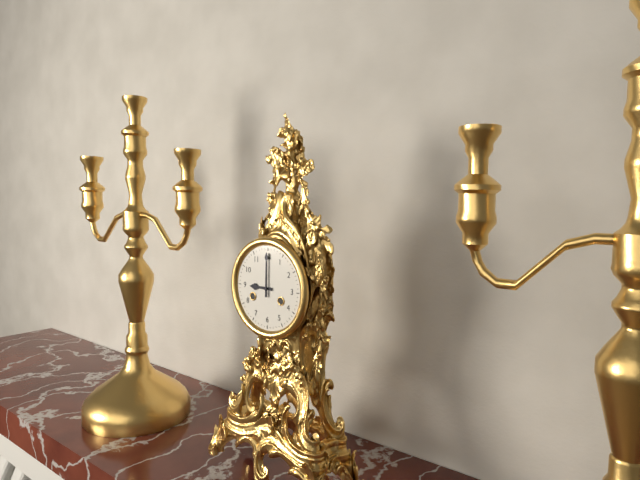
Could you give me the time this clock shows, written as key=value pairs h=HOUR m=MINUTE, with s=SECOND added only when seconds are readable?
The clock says h=9 m=0
